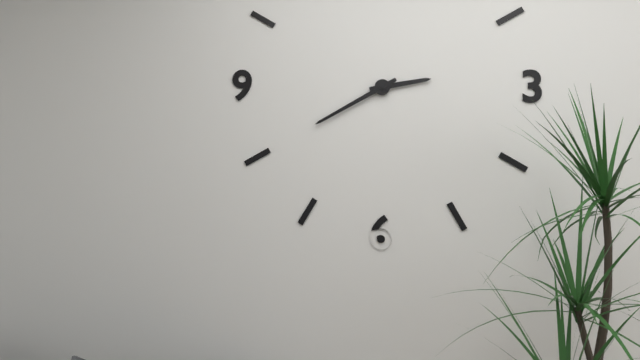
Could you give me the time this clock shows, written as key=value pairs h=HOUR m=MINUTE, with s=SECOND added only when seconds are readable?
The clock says h=2 m=40
